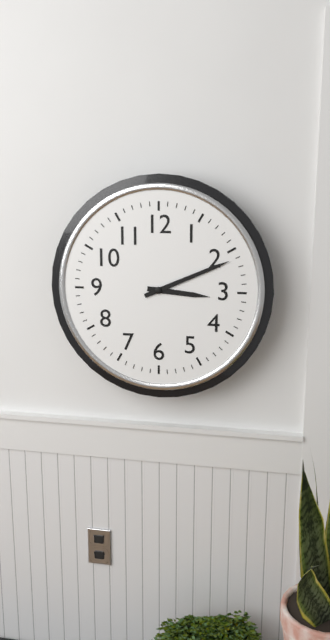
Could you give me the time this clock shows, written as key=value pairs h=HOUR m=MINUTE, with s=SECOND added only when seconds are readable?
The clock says h=3 m=11
